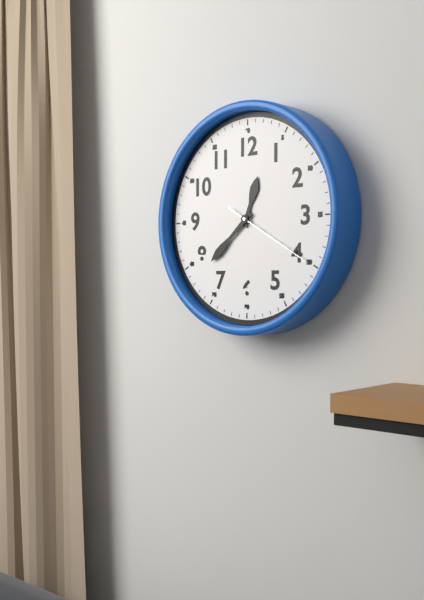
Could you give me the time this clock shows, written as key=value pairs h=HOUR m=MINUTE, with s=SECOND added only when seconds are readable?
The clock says h=12 m=38 s=20
